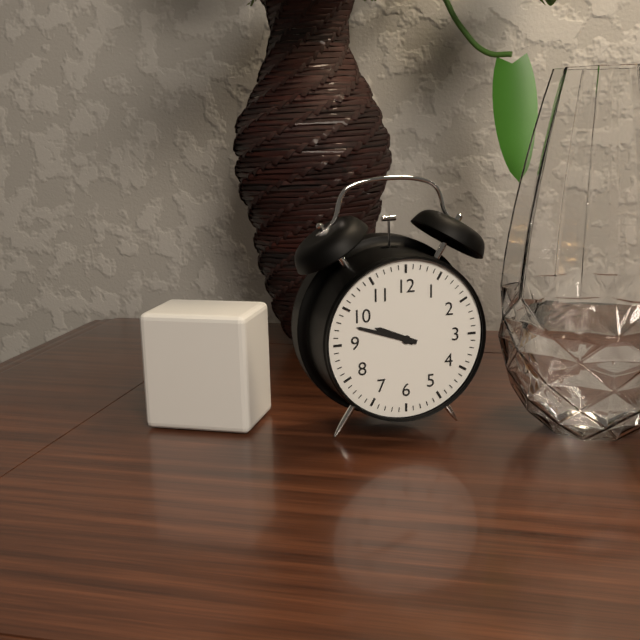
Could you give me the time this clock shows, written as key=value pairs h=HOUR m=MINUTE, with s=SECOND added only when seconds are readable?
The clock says h=9 m=48
